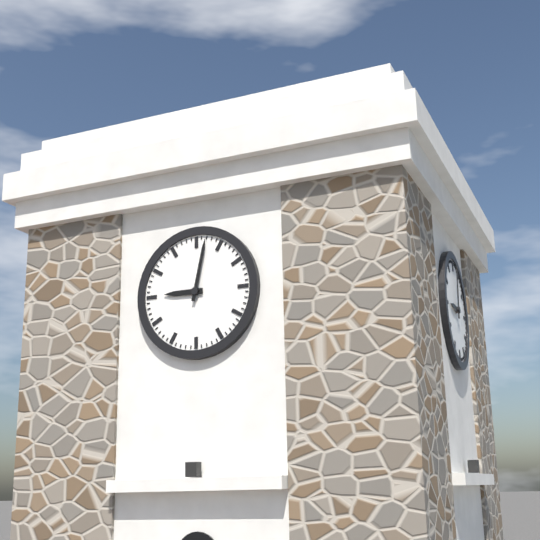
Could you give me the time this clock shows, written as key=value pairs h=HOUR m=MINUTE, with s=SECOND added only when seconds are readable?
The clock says h=9 m=2
